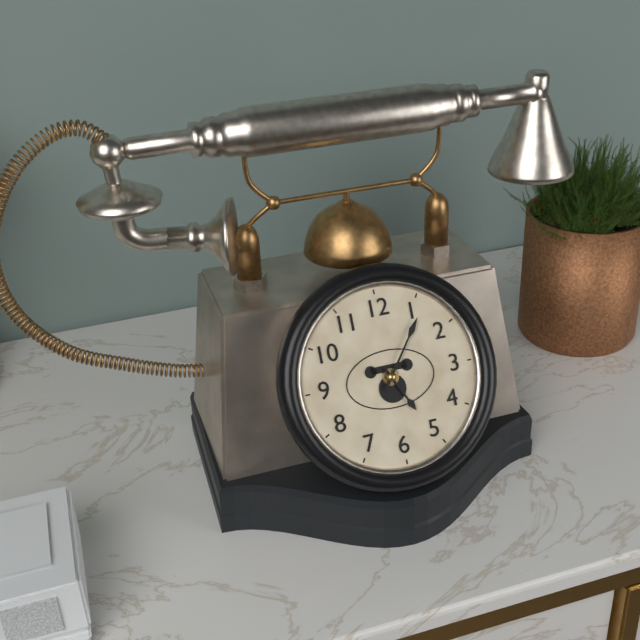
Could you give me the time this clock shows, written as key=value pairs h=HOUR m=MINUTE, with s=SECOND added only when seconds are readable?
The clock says h=5 m=6
